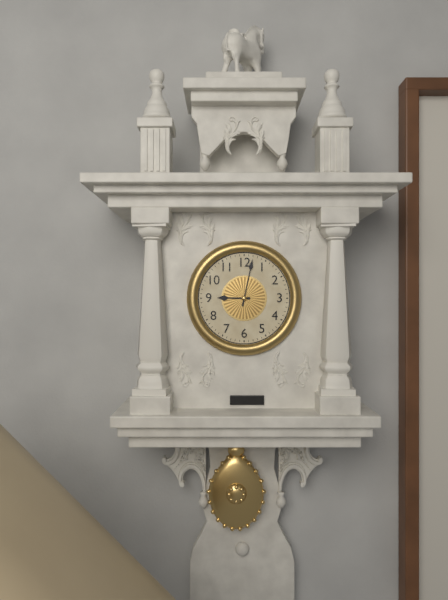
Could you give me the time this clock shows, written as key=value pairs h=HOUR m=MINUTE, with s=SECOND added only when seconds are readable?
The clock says h=9 m=2
